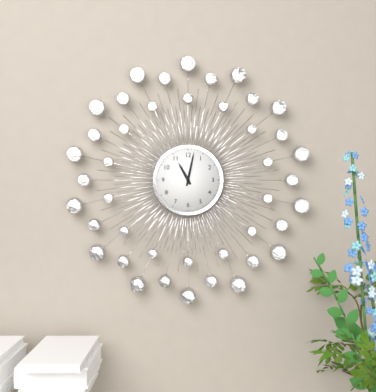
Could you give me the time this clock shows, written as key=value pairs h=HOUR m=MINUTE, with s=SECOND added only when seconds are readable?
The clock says h=11 m=2
